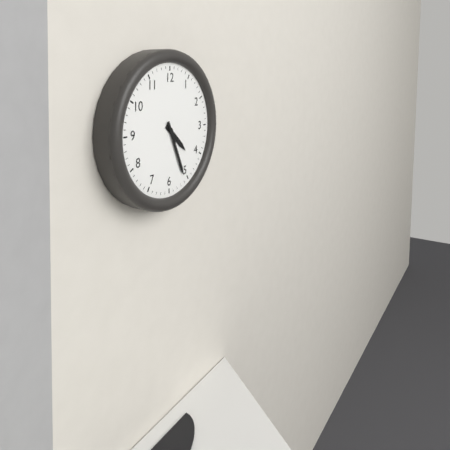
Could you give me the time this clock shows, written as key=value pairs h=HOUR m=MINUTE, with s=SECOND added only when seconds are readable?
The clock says h=4 m=26
